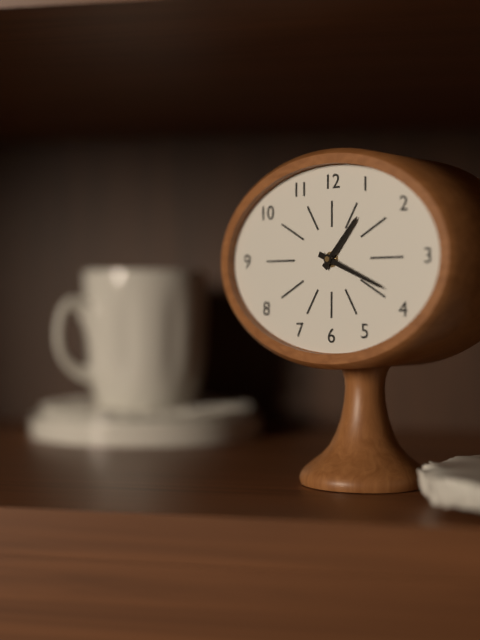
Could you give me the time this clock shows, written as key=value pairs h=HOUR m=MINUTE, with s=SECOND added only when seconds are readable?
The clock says h=1 m=19
